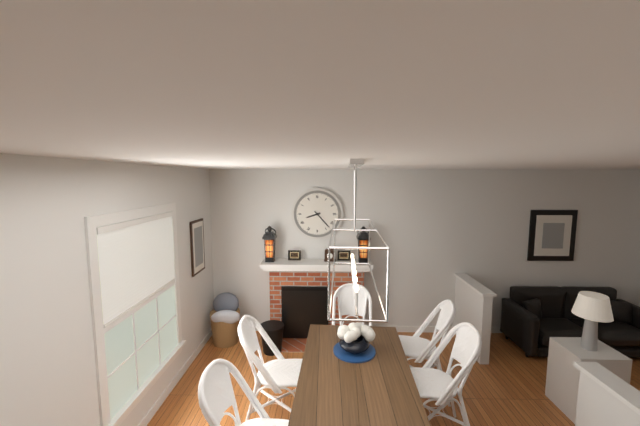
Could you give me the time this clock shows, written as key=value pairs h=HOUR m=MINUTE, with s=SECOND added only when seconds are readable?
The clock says h=8 m=23
